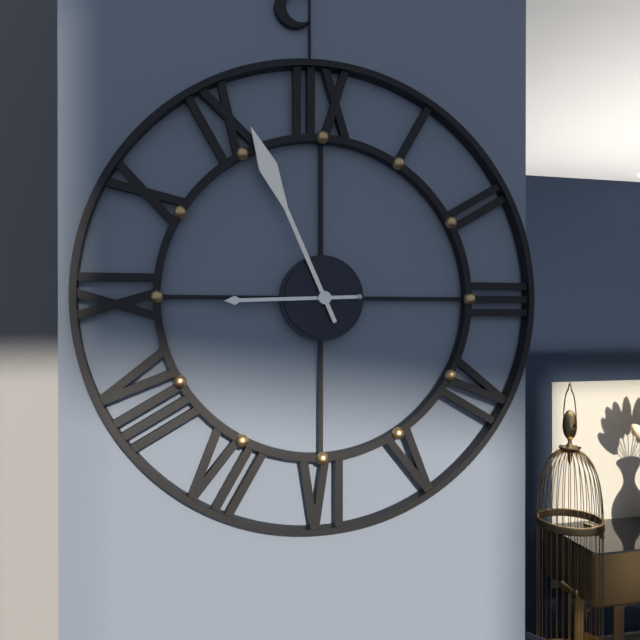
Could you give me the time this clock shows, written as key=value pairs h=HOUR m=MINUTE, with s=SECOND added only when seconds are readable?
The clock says h=8 m=56
